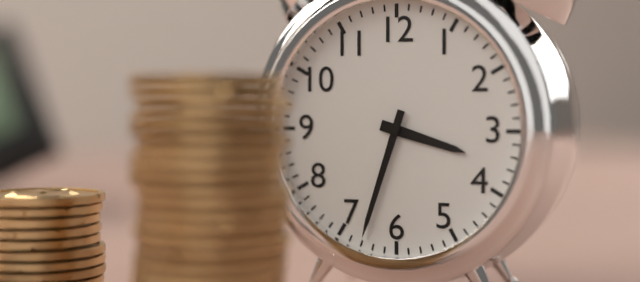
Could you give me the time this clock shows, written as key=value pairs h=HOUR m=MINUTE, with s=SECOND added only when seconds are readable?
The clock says h=3 m=33
